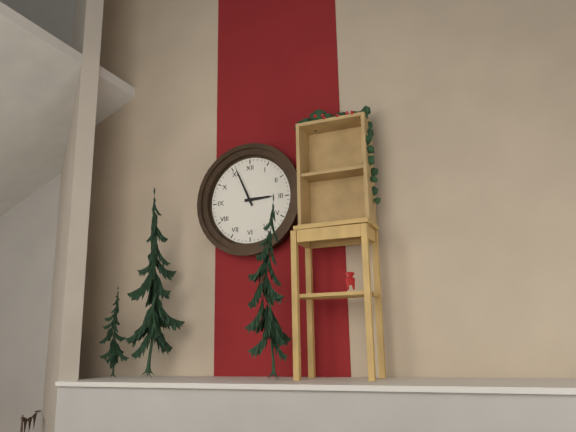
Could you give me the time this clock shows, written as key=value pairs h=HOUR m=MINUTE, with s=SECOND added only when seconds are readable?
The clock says h=2 m=56
